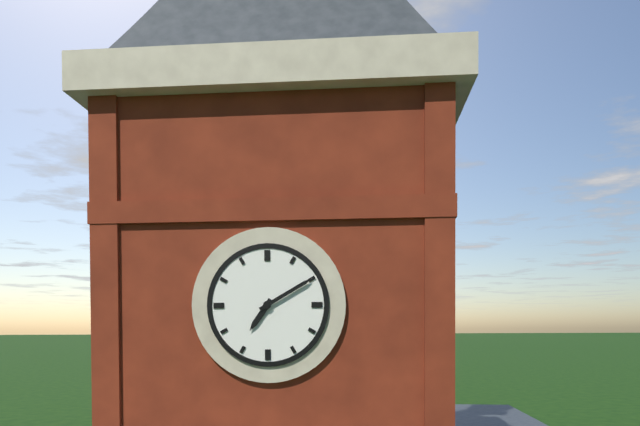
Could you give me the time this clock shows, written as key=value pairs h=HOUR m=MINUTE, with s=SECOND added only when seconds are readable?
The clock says h=7 m=10
